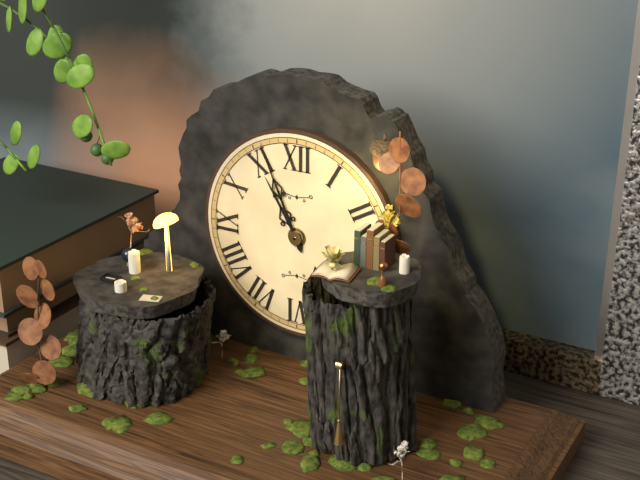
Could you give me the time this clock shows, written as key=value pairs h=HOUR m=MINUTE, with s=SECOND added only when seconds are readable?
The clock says h=10 m=56
